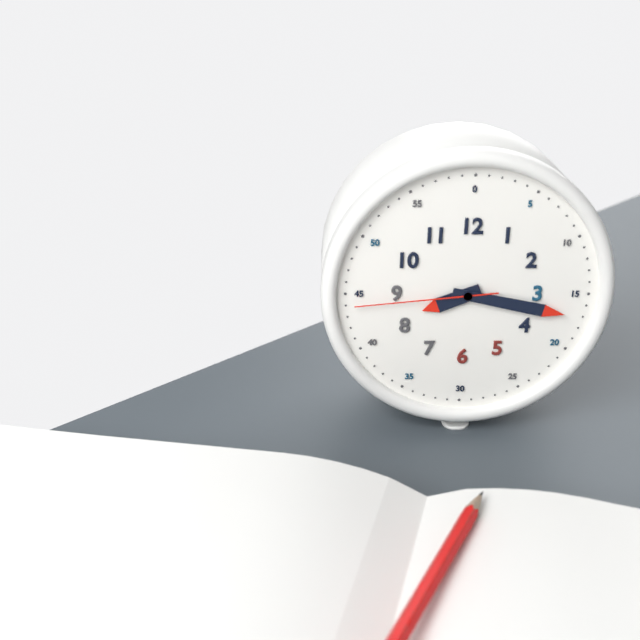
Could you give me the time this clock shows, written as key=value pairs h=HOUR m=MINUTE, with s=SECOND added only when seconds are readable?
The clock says h=8 m=17 s=44
